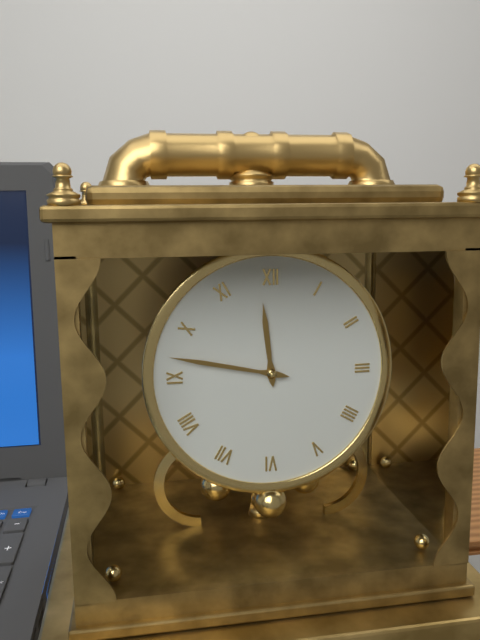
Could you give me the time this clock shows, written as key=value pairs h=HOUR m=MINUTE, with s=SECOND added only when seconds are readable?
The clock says h=11 m=47
